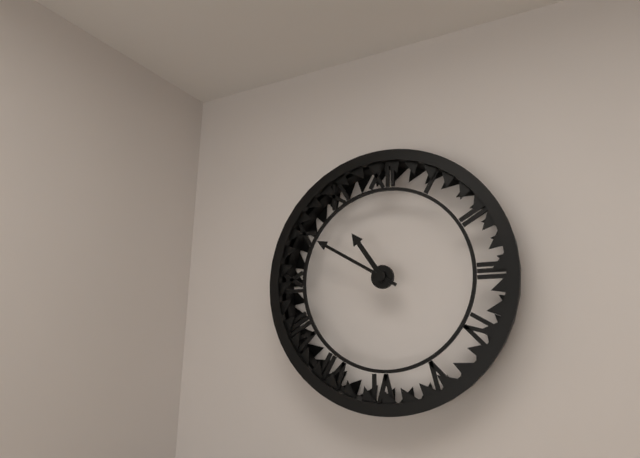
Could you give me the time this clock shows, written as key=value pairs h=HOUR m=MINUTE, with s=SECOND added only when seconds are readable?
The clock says h=10 m=50
